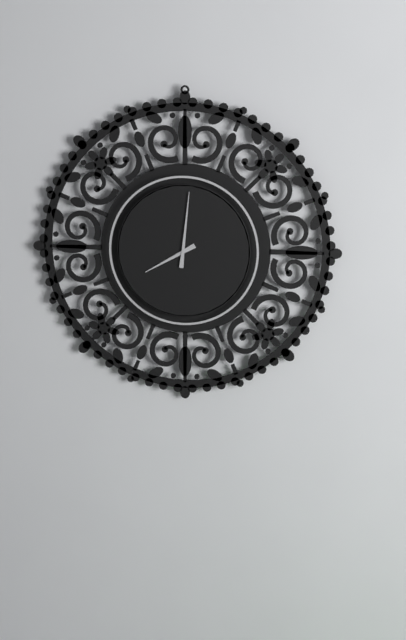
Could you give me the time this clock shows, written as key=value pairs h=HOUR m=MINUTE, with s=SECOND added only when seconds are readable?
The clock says h=8 m=1
